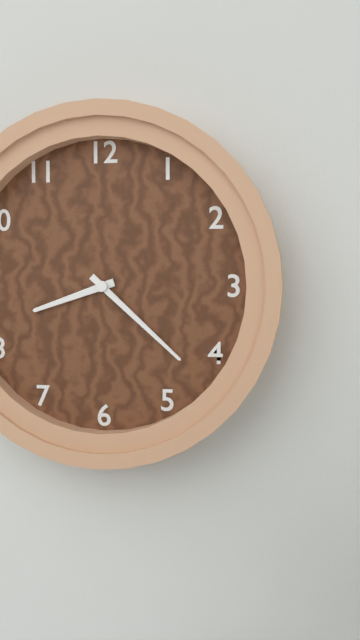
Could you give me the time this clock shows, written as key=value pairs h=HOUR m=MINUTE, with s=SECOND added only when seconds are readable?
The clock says h=8 m=22
